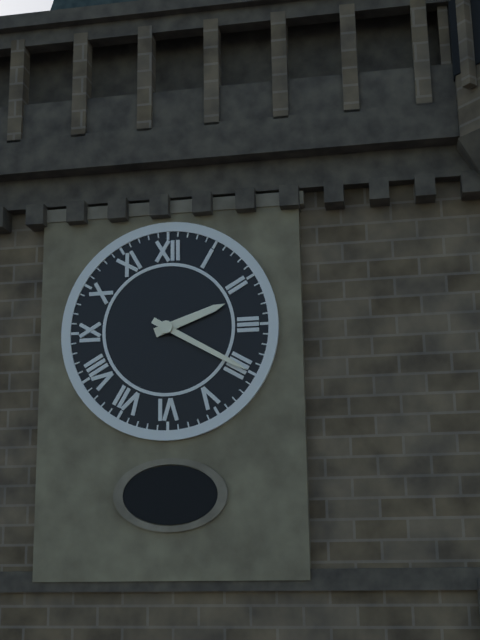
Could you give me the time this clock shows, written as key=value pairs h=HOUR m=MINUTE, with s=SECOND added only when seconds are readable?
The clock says h=2 m=20
